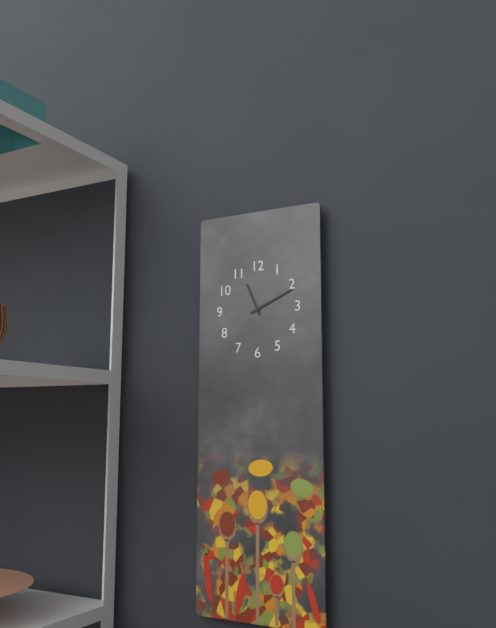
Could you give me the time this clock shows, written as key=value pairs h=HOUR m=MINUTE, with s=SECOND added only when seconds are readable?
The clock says h=11 m=11
